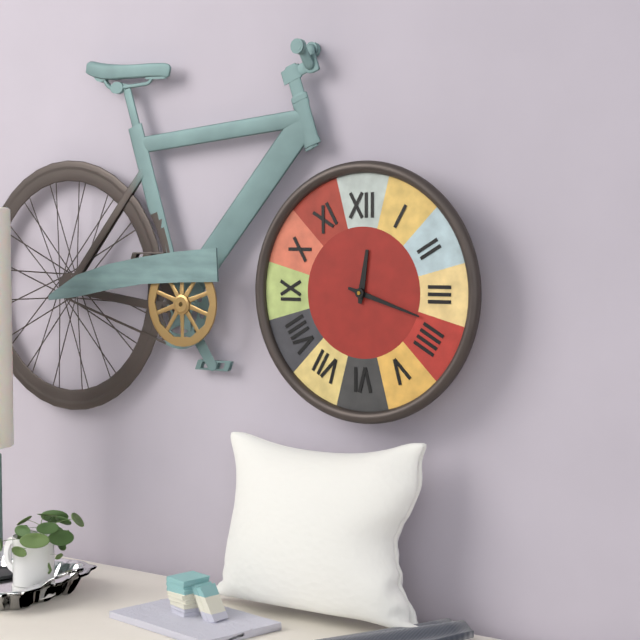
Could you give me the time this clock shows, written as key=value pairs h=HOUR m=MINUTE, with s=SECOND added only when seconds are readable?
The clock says h=12 m=18
